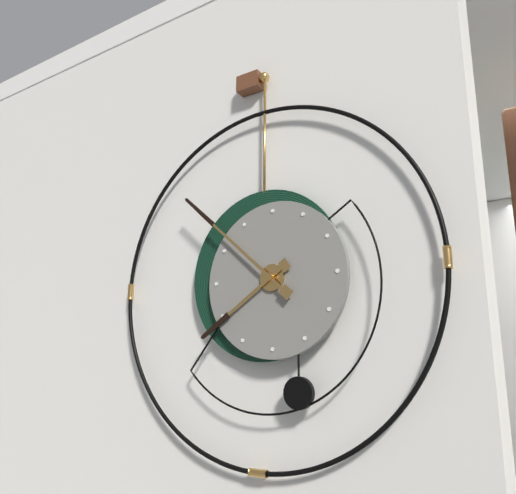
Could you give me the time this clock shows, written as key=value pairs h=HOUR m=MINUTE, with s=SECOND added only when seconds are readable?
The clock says h=7 m=52
